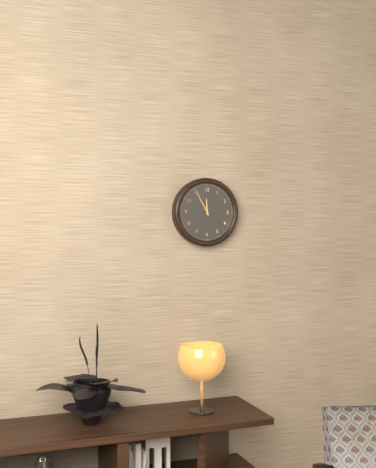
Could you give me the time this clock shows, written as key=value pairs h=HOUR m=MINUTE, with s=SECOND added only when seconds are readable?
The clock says h=11 m=55
